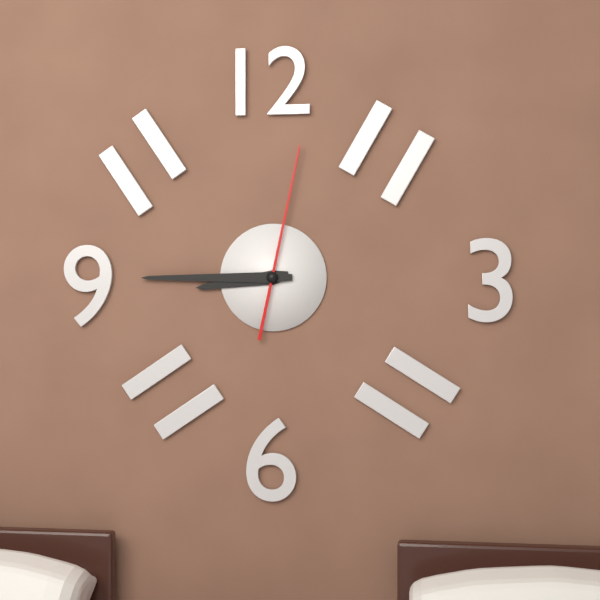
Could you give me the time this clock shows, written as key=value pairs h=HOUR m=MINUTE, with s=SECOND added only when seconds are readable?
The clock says h=8 m=45 s=2
